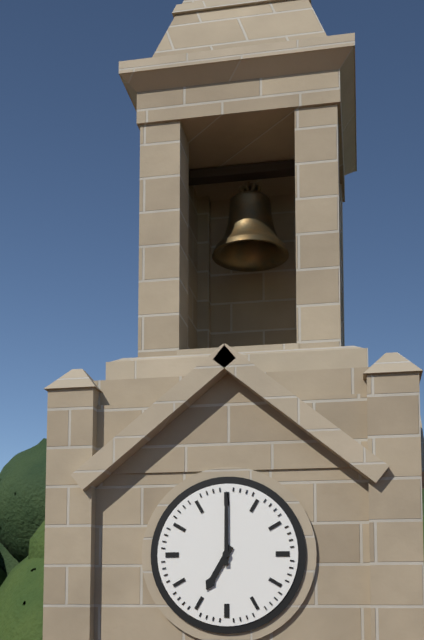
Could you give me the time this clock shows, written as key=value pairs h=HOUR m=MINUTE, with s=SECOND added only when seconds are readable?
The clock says h=7 m=0
